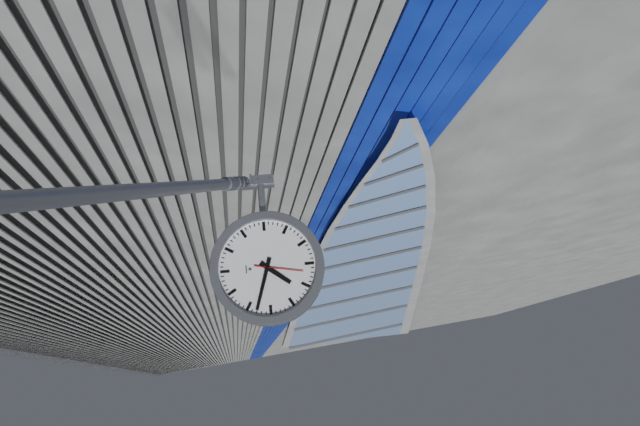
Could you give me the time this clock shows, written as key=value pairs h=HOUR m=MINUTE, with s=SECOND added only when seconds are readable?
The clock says h=1 m=18
